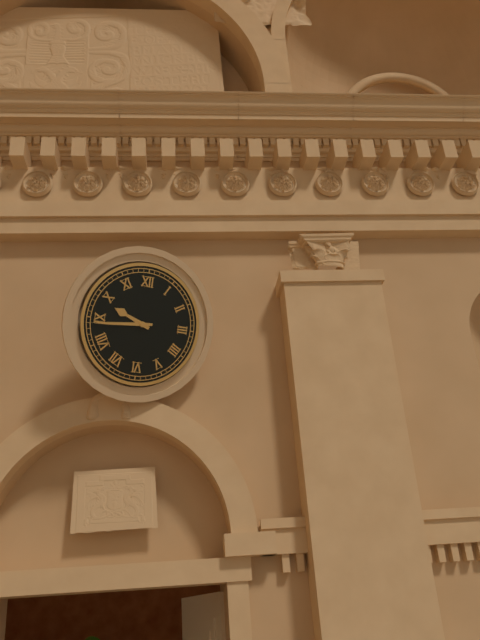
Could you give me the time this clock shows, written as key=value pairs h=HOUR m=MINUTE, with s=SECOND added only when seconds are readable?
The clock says h=9 m=44
